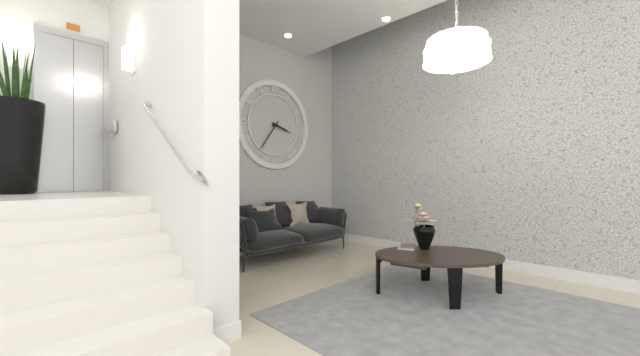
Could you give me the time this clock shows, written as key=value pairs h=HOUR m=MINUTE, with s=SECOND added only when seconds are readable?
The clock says h=3 m=36
